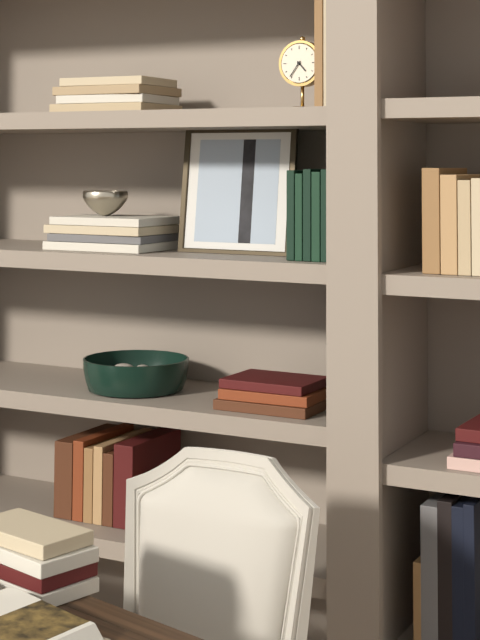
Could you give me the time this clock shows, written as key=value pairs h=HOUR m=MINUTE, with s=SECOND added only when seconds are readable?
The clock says h=4 m=36
